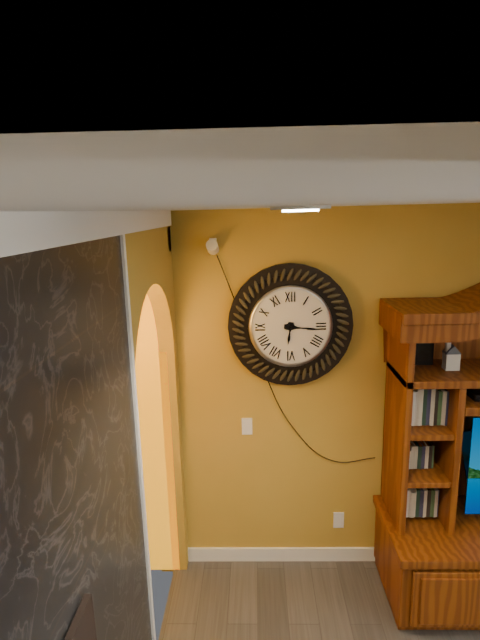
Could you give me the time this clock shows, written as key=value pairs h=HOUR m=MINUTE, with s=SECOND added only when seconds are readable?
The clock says h=6 m=16
